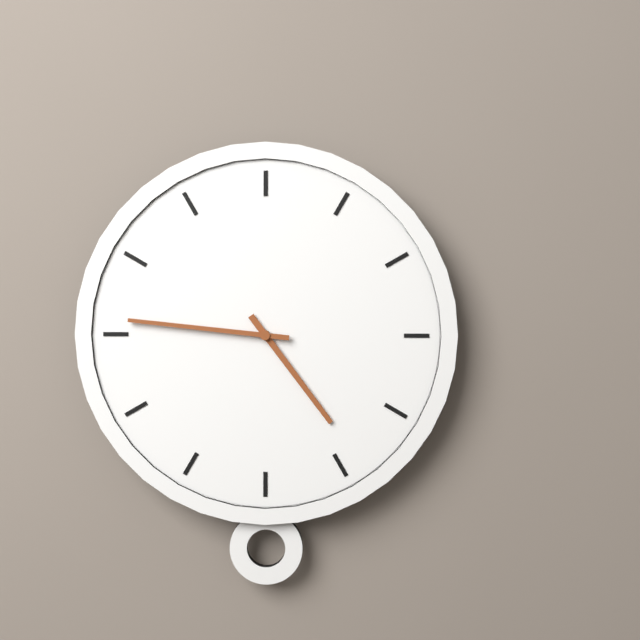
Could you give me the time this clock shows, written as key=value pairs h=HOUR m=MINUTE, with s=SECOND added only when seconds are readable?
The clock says h=4 m=46
